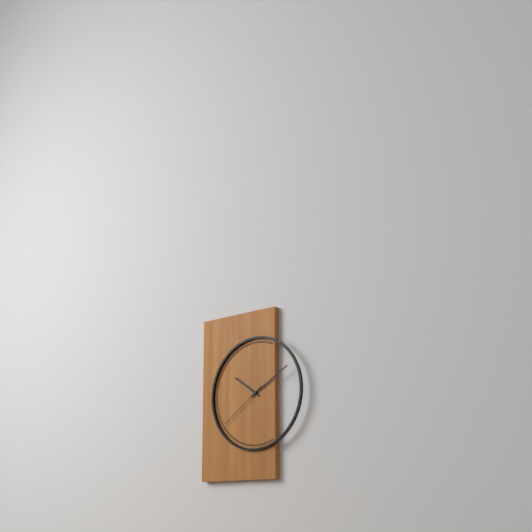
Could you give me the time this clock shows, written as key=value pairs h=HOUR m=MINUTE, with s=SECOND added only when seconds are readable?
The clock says h=10 m=10 s=39
